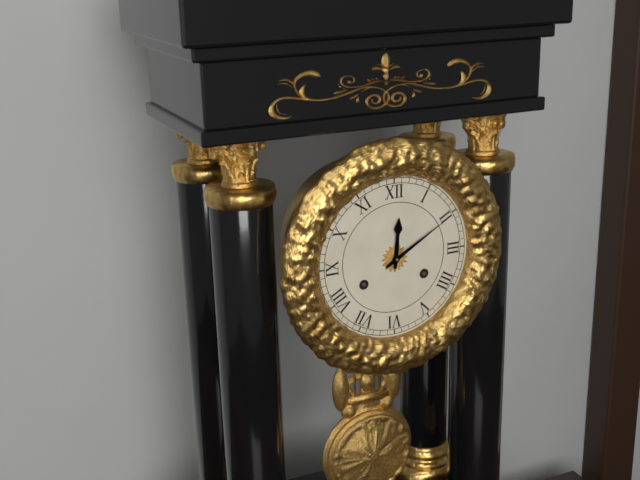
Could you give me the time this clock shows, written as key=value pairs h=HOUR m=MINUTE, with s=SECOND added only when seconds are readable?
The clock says h=12 m=10
